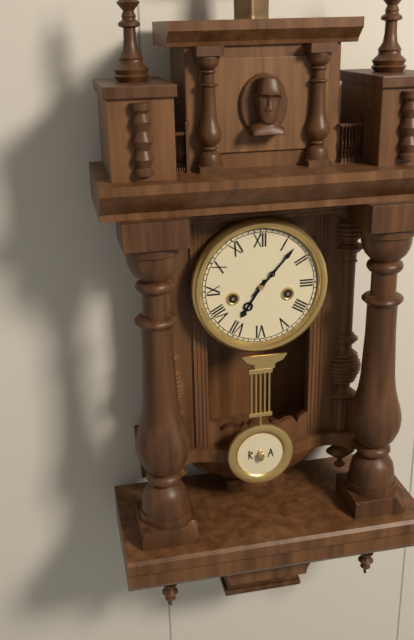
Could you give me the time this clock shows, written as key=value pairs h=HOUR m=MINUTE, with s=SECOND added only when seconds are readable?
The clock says h=7 m=7
